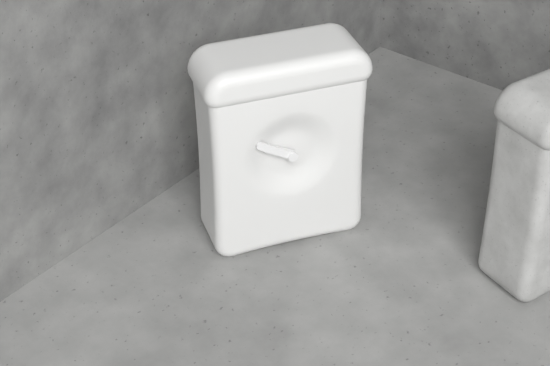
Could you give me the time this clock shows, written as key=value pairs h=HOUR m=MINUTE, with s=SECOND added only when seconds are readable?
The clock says h=9 m=50
